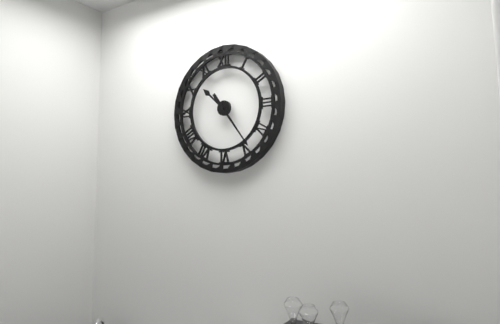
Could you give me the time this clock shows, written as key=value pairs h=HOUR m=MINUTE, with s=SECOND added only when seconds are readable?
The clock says h=10 m=24
